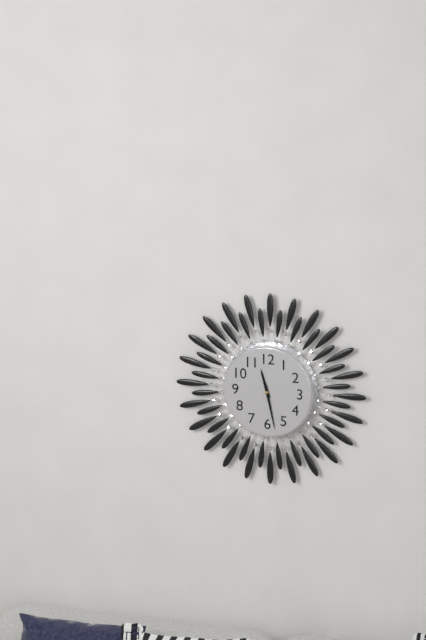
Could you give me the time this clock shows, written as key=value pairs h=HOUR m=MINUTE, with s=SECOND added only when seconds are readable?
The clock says h=11 m=28
